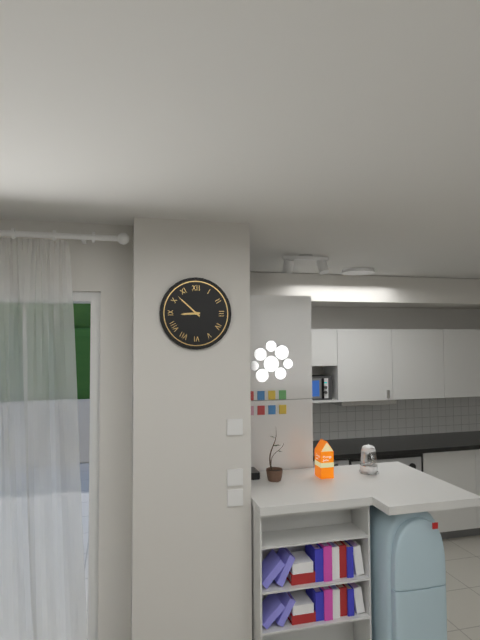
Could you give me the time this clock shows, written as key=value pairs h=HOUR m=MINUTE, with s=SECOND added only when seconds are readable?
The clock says h=8 m=52
